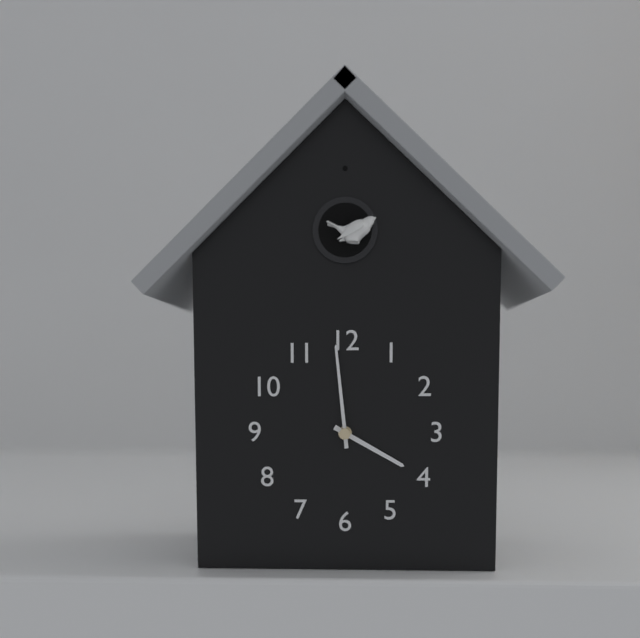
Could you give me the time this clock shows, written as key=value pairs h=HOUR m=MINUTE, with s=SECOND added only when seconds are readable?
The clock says h=3 m=59
